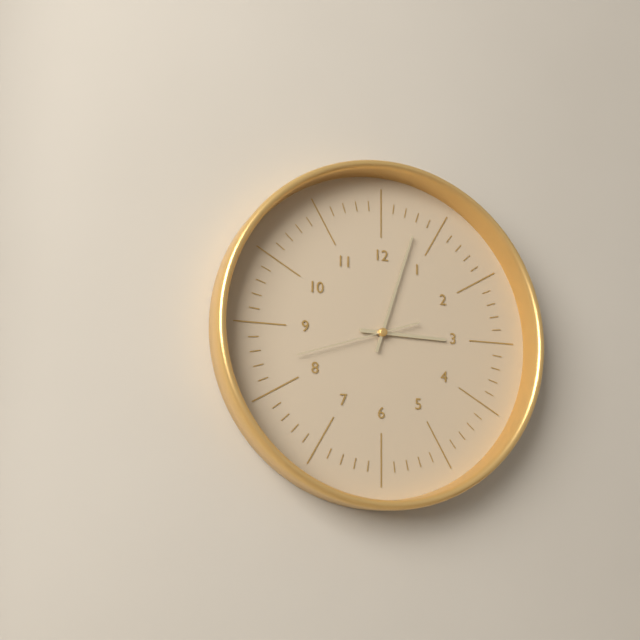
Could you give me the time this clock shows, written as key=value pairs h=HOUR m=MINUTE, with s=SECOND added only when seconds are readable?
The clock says h=3 m=3 s=42
